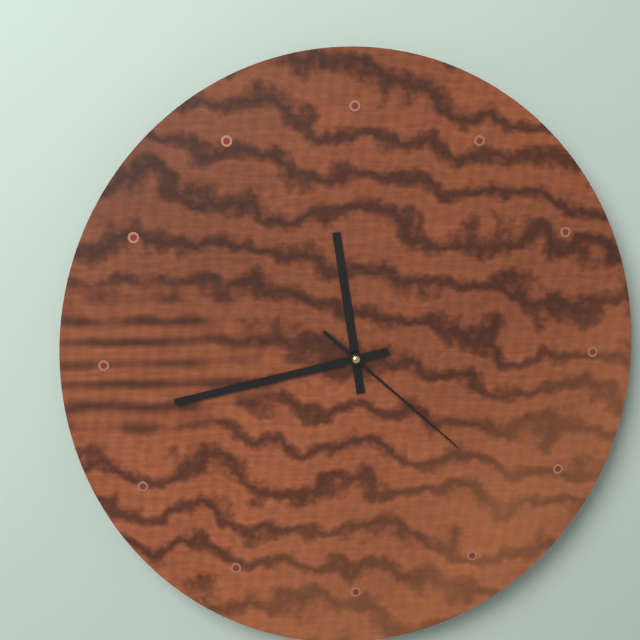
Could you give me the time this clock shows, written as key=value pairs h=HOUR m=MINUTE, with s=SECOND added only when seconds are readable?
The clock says h=11 m=43 s=22
